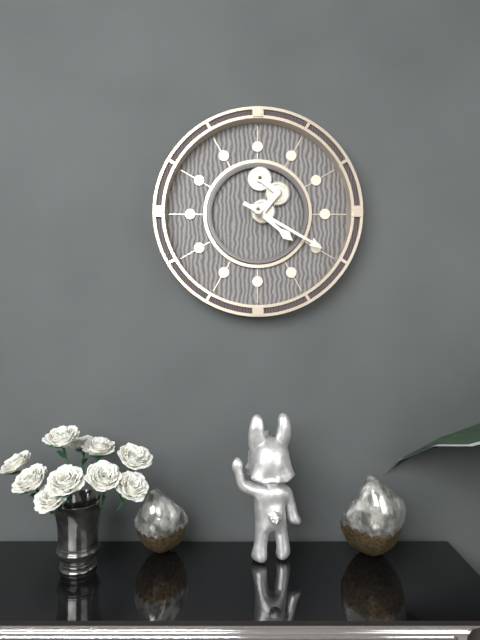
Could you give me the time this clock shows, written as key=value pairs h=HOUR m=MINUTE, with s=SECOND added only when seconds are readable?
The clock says h=4 m=20
